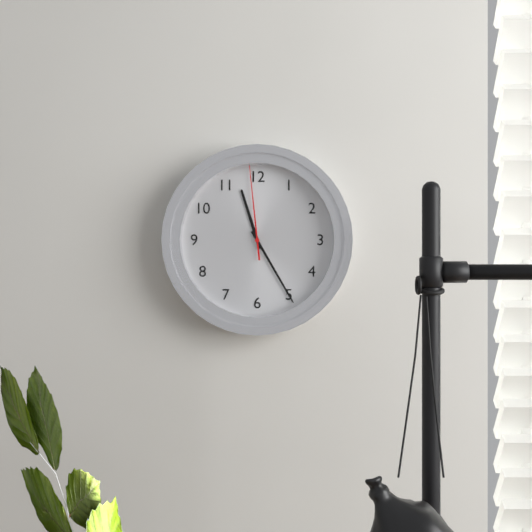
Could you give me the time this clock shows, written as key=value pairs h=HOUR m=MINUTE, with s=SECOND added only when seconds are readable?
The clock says h=11 m=25 s=59
